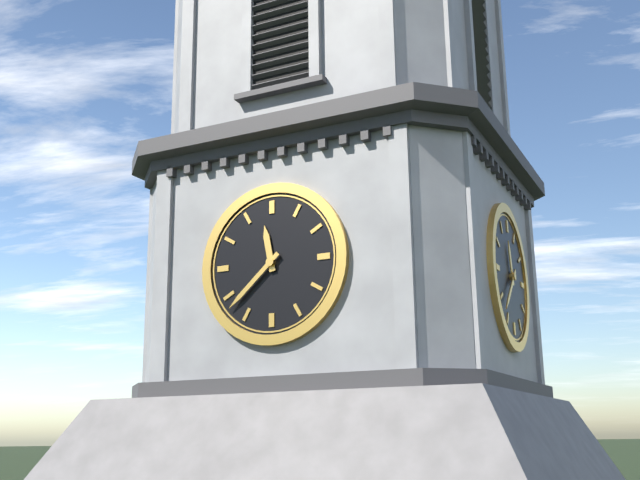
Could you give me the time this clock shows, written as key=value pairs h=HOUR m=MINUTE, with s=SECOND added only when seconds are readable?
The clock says h=11 m=38
